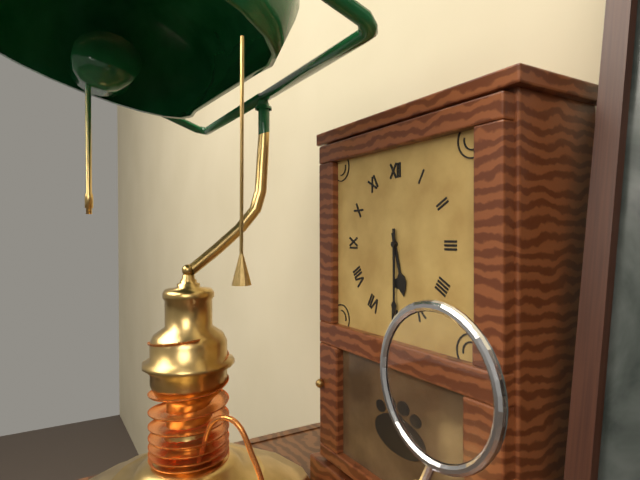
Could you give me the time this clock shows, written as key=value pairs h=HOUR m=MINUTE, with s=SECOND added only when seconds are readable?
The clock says h=5 m=30
